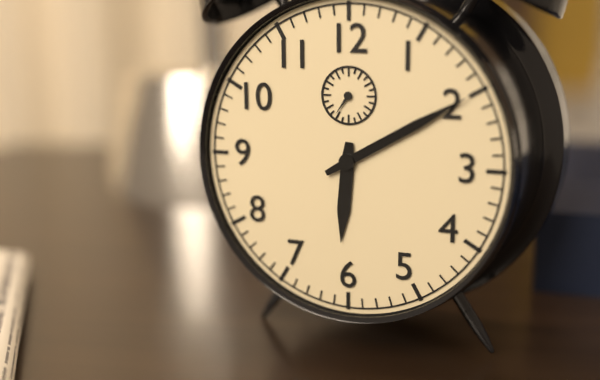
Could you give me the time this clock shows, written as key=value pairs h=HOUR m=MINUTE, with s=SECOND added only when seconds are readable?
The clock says h=6 m=10
